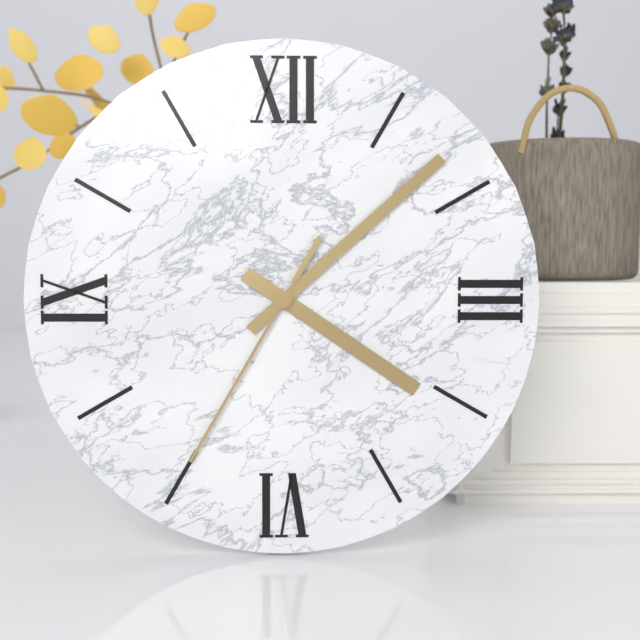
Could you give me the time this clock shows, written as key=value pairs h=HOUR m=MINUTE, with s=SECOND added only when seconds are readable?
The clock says h=4 m=8 s=35
